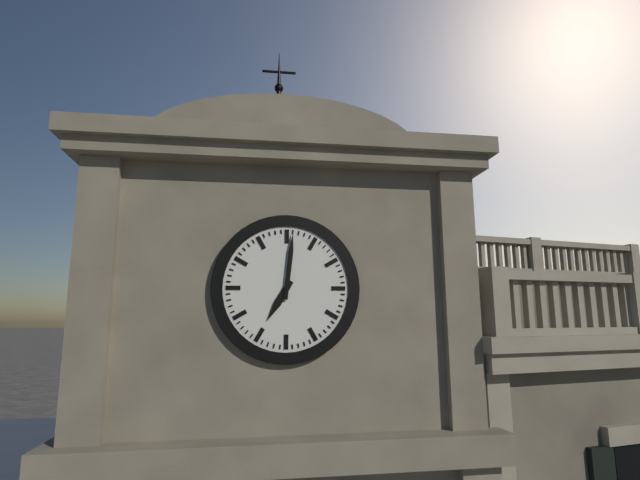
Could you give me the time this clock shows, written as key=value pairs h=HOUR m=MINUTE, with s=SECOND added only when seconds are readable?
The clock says h=7 m=1
